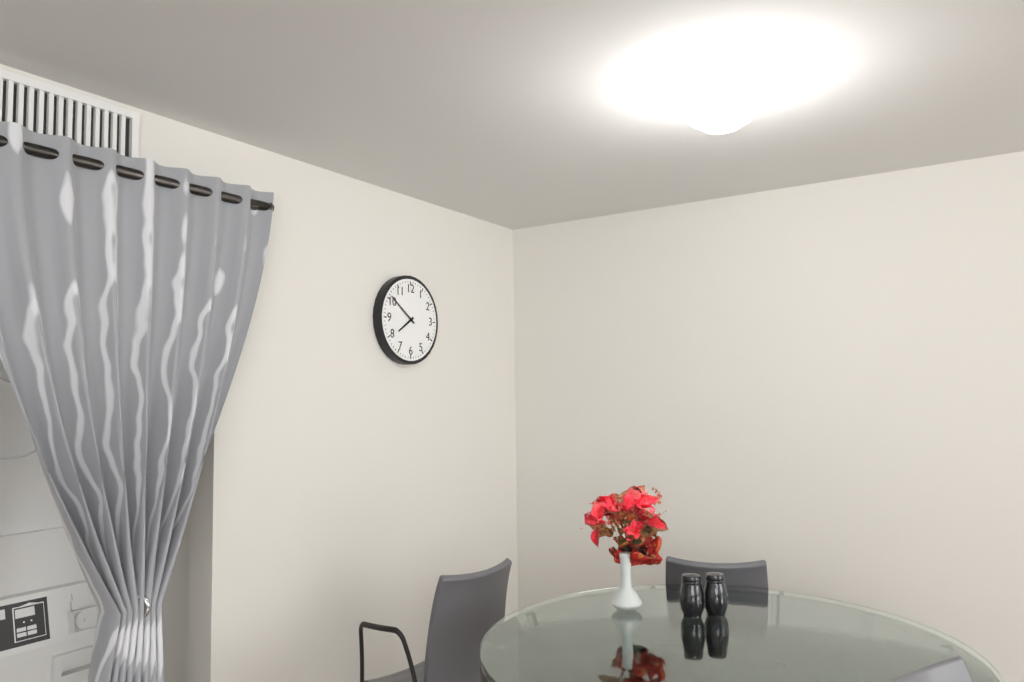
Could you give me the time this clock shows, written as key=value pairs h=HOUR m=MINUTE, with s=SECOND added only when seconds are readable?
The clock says h=7 m=51
